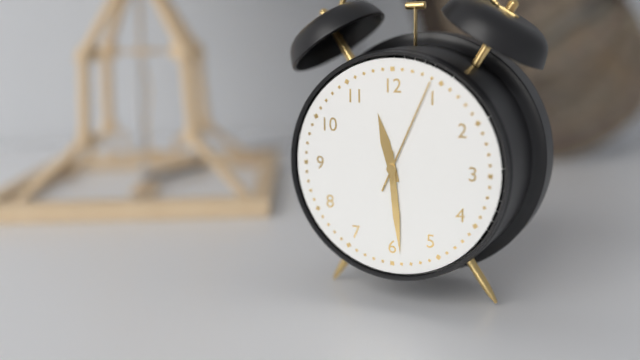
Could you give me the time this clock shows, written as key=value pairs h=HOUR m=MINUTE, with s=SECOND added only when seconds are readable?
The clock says h=11 m=29 s=4
